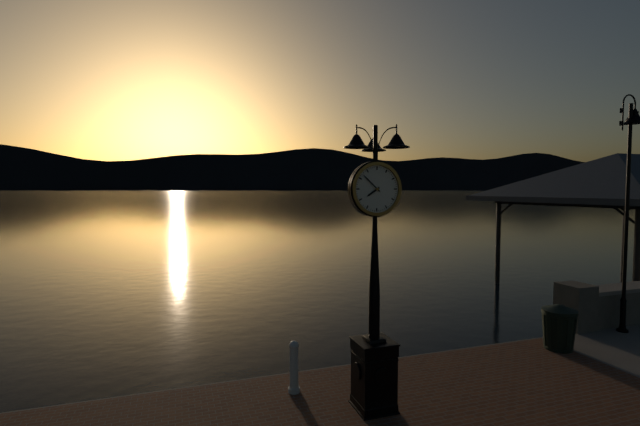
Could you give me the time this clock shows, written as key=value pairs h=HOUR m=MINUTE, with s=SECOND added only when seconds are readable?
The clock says h=7 m=52
